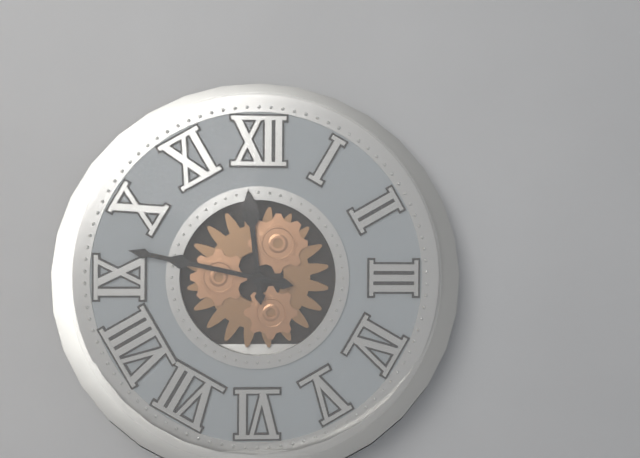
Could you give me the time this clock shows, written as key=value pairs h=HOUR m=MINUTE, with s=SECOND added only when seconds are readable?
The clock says h=11 m=47
